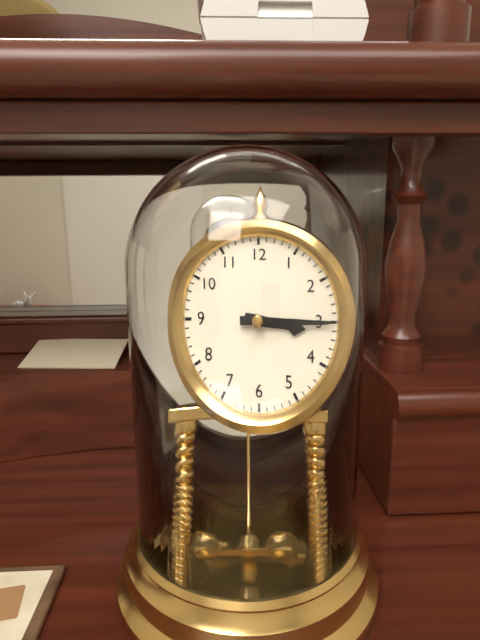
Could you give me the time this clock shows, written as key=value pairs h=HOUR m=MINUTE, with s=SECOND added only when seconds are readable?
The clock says h=3 m=15
